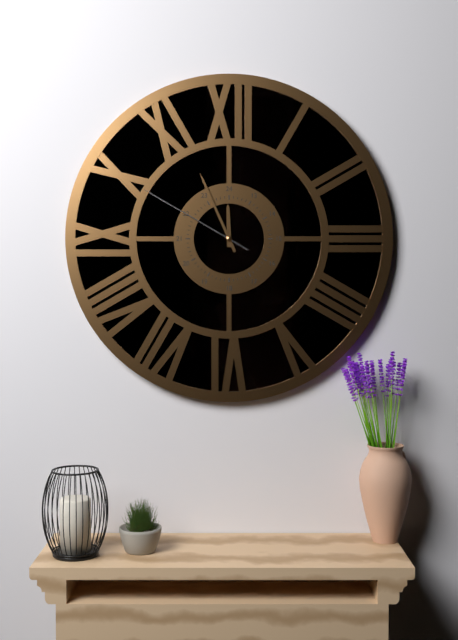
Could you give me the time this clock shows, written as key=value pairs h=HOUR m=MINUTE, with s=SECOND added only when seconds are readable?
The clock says h=11 m=56 s=50
